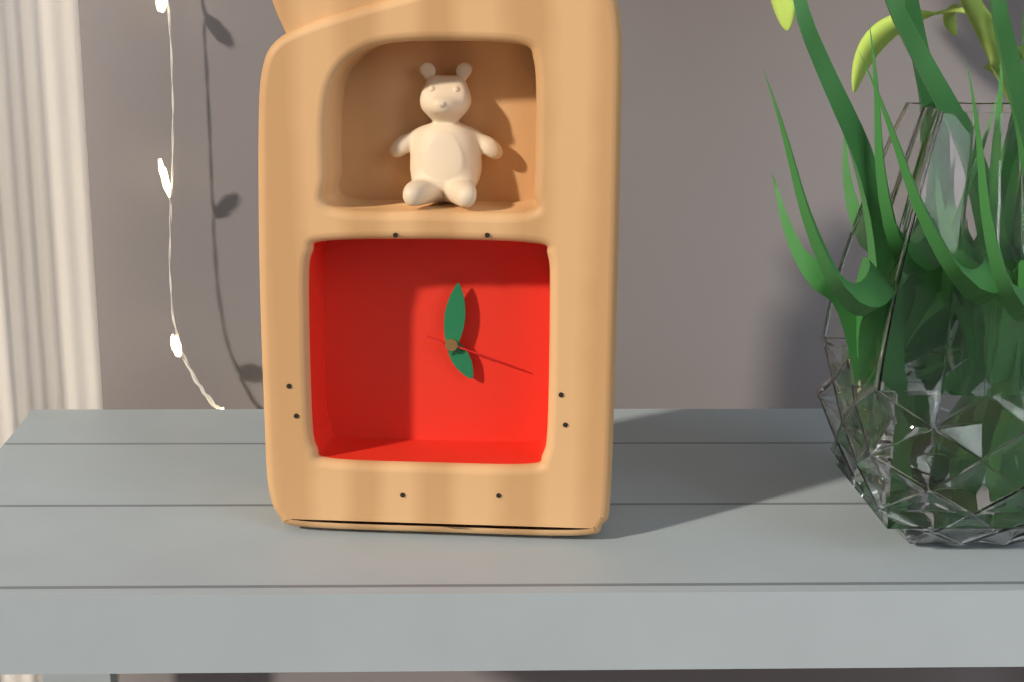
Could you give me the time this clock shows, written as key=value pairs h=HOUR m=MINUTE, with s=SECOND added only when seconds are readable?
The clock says h=5 m=1 s=18
